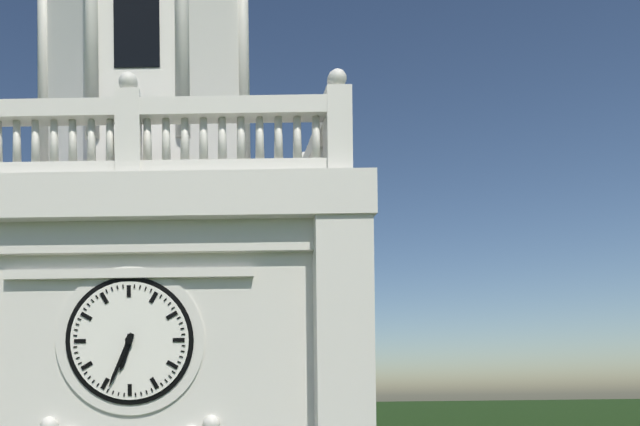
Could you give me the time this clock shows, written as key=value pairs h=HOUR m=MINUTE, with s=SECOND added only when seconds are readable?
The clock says h=6 m=34
